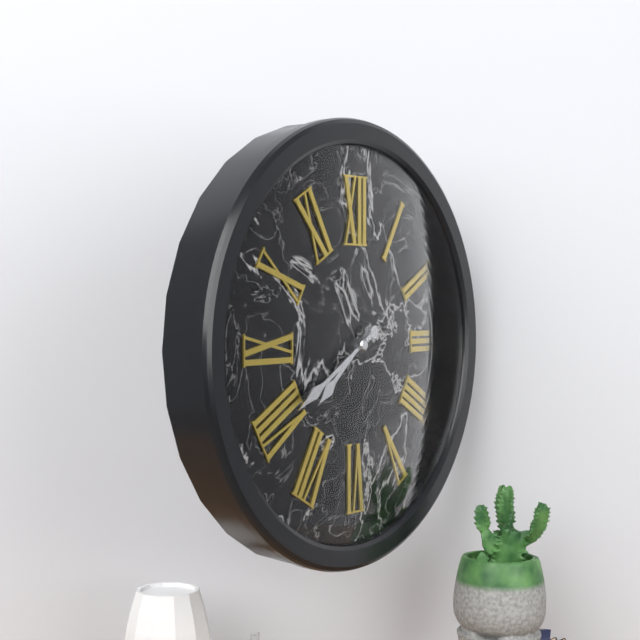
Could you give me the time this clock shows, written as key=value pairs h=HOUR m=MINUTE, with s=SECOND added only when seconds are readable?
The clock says h=7 m=40
